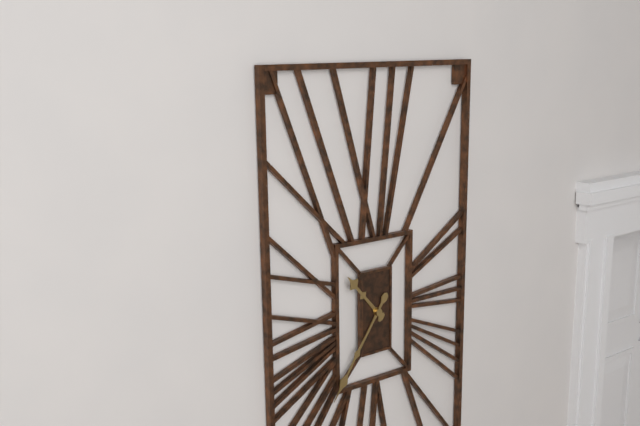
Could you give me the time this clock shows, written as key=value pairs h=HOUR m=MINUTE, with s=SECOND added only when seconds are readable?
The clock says h=10 m=36
